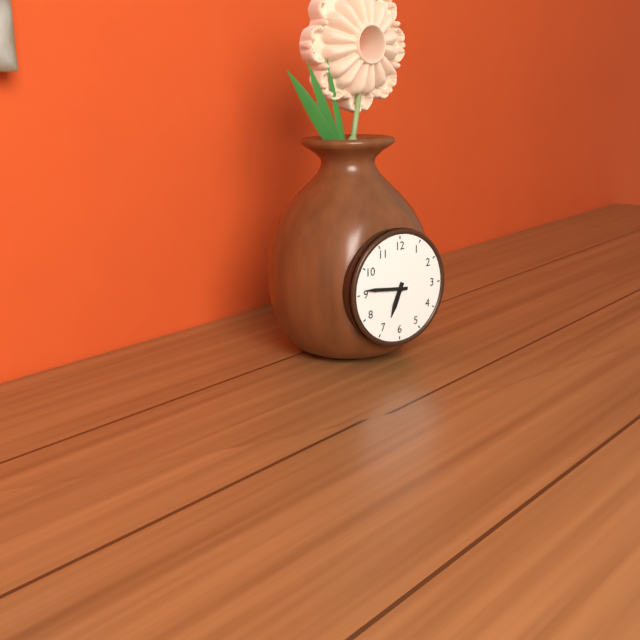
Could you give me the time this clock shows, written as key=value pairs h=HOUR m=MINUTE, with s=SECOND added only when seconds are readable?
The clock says h=6 m=46
